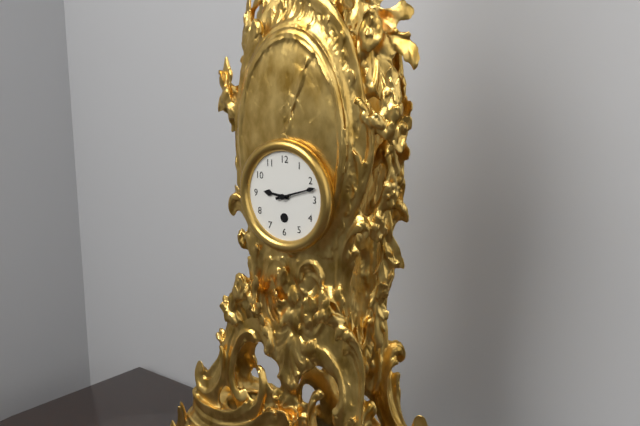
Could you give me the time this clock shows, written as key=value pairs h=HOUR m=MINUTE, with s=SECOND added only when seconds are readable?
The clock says h=9 m=12
